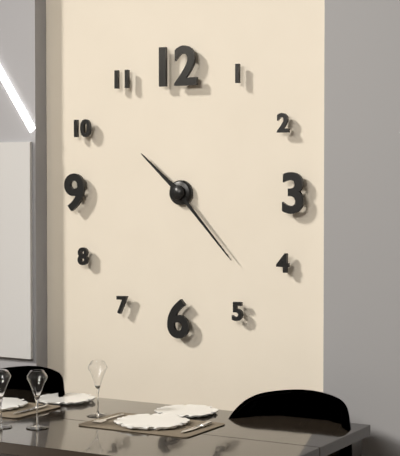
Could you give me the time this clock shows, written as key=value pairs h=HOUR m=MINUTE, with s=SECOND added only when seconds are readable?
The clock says h=10 m=23
